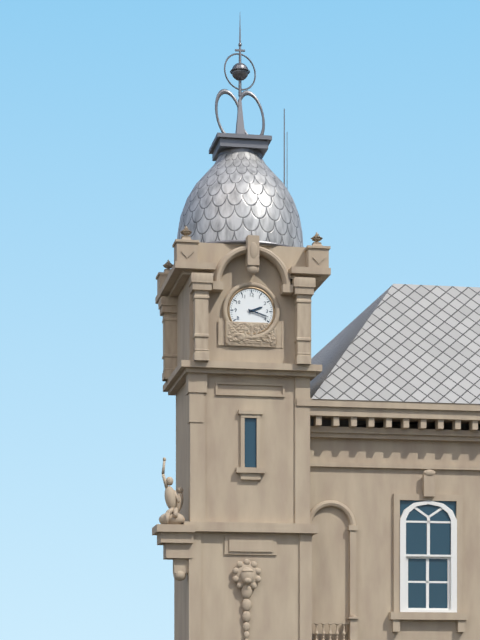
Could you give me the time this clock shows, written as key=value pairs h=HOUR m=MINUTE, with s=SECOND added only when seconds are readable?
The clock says h=2 m=18
